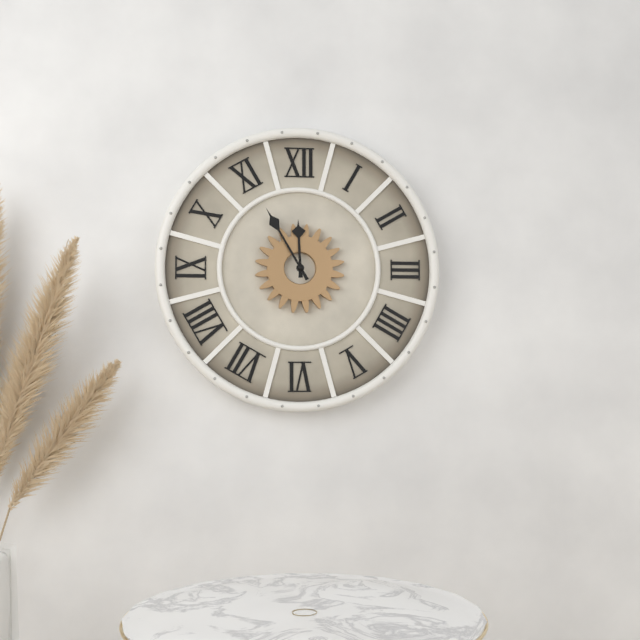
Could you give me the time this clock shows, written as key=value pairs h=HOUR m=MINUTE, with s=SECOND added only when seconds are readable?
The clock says h=11 m=55
